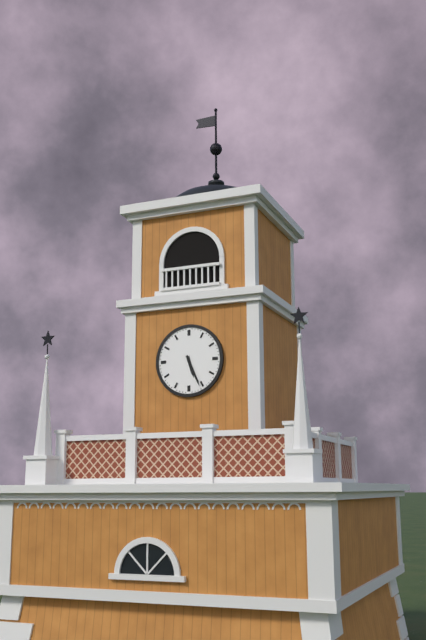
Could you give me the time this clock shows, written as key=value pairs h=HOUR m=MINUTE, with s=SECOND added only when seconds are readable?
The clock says h=5 m=26
